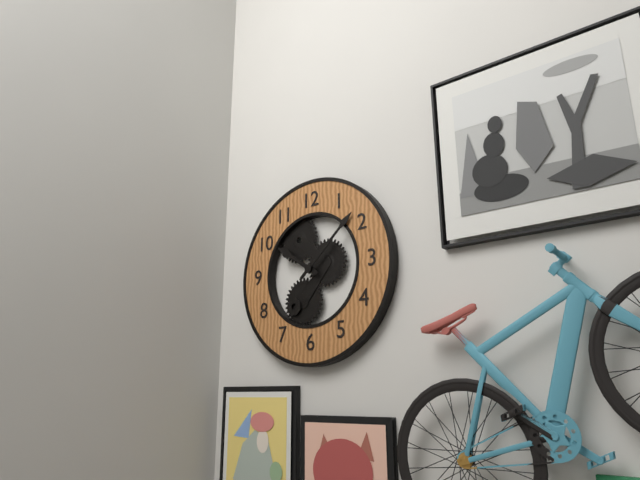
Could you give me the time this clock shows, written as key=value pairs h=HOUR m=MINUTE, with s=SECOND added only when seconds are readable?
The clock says h=10 m=8
